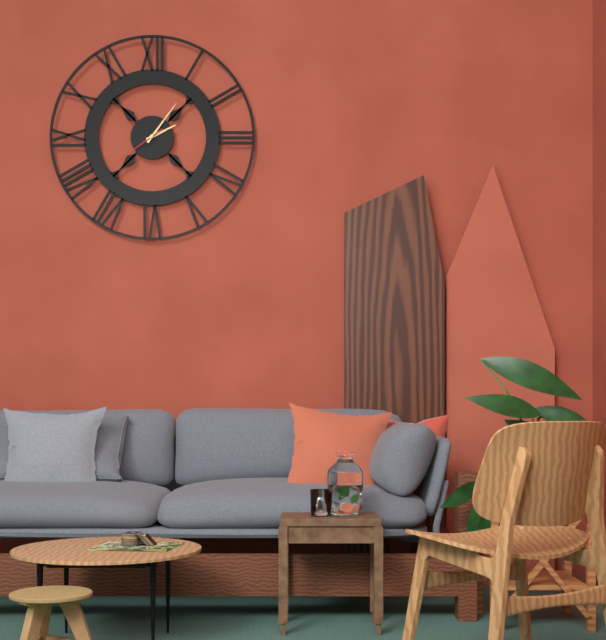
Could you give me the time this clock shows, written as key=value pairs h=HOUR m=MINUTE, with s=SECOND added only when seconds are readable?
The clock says h=2 m=6 s=39
